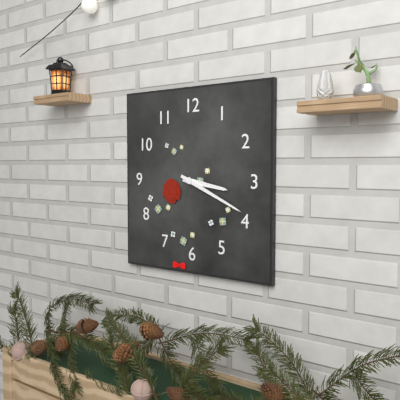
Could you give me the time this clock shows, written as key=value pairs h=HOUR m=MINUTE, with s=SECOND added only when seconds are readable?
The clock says h=3 m=19
